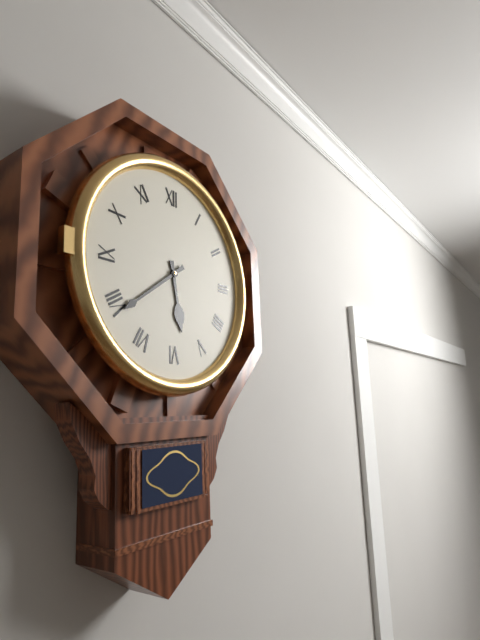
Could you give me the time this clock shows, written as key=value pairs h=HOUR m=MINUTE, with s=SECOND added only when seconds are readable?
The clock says h=5 m=39
